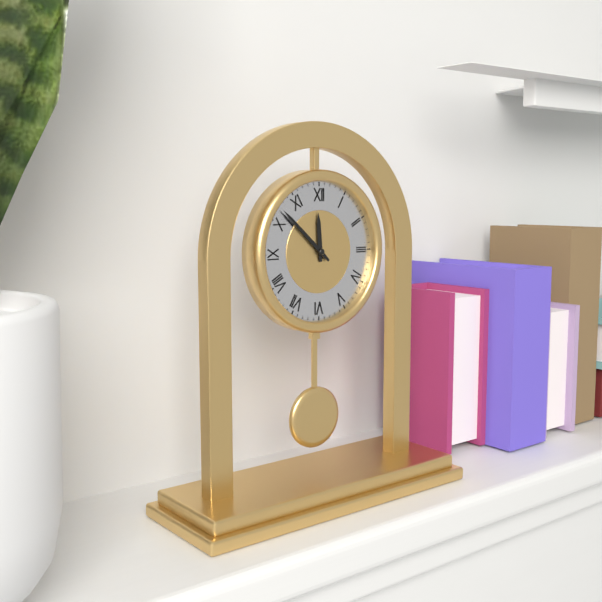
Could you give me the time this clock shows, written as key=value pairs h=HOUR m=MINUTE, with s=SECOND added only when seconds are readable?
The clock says h=11 m=52
